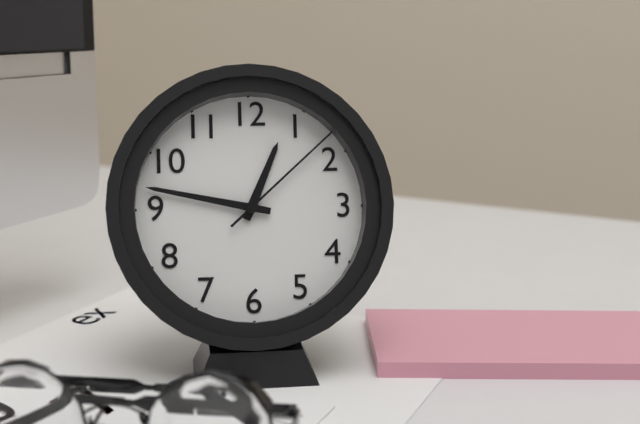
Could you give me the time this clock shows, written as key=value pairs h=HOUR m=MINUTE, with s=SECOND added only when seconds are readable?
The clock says h=12 m=47 s=8
